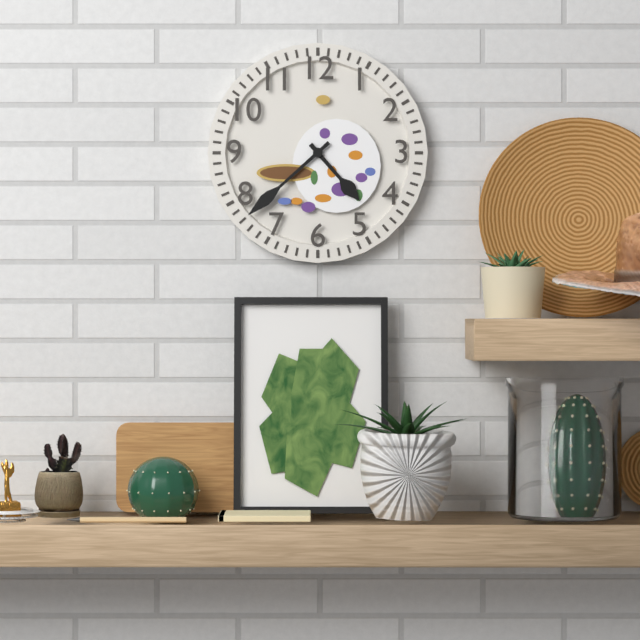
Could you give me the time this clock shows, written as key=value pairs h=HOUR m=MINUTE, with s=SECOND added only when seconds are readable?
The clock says h=4 m=38
